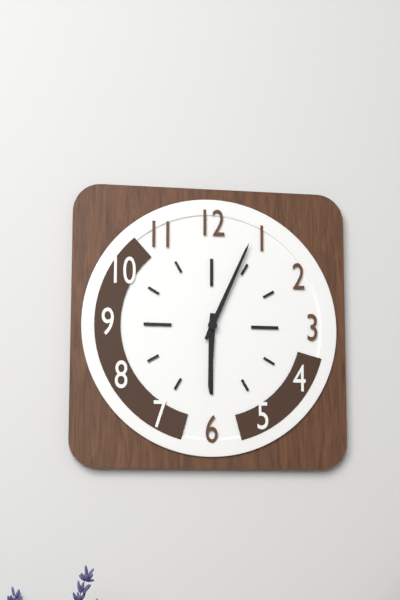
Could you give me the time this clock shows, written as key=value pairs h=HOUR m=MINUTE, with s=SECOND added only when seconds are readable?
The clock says h=6 m=4
